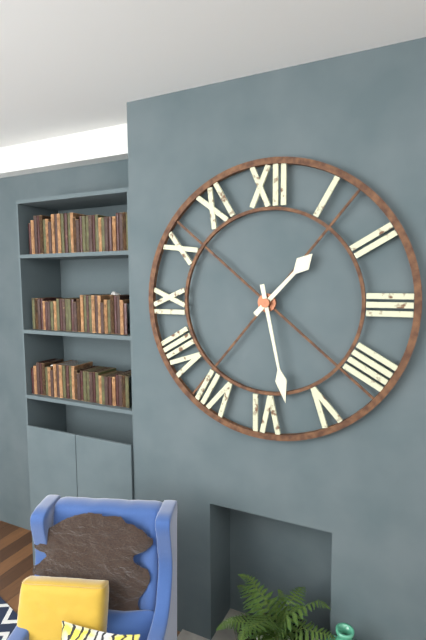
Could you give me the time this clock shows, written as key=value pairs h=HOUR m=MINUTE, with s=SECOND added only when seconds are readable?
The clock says h=1 m=28
